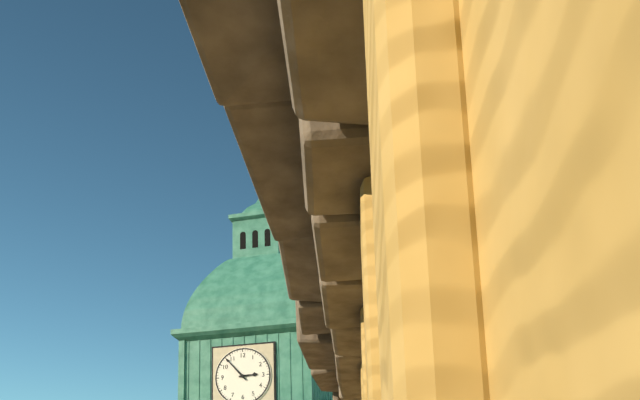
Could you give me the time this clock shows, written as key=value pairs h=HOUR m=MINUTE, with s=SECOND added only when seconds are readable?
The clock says h=2 m=53
